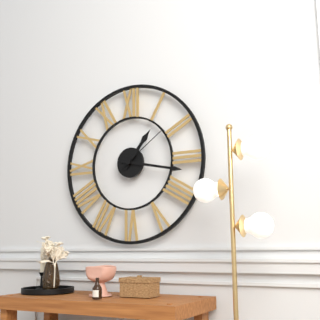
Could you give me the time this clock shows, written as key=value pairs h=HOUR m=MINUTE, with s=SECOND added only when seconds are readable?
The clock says h=1 m=17 s=9
